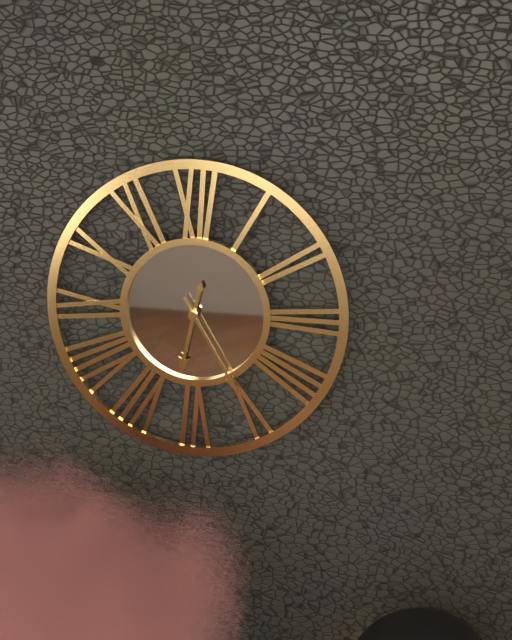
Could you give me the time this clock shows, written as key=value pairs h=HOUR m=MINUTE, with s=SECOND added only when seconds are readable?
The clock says h=6 m=25
